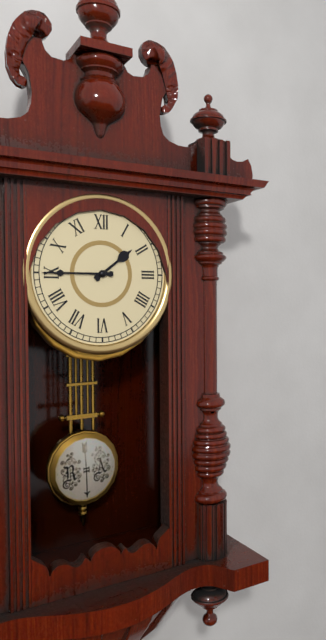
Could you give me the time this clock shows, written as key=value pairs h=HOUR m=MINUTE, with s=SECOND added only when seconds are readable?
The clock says h=1 m=45
